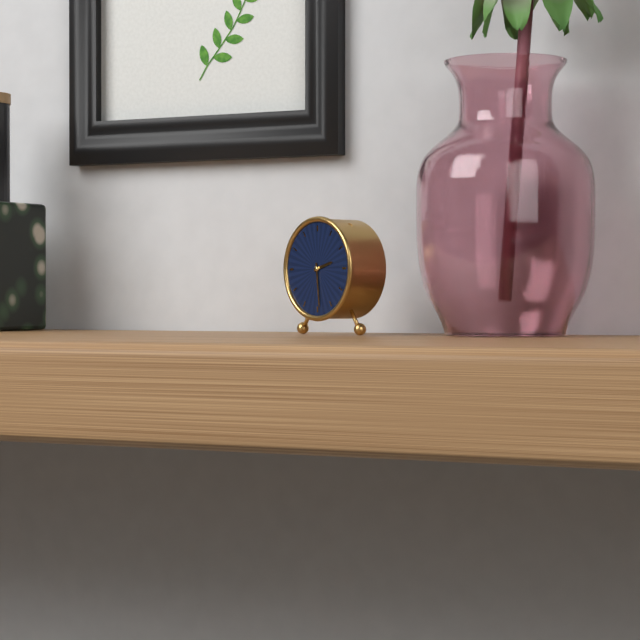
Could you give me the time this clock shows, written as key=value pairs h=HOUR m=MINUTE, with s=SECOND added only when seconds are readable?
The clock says h=2 m=29
